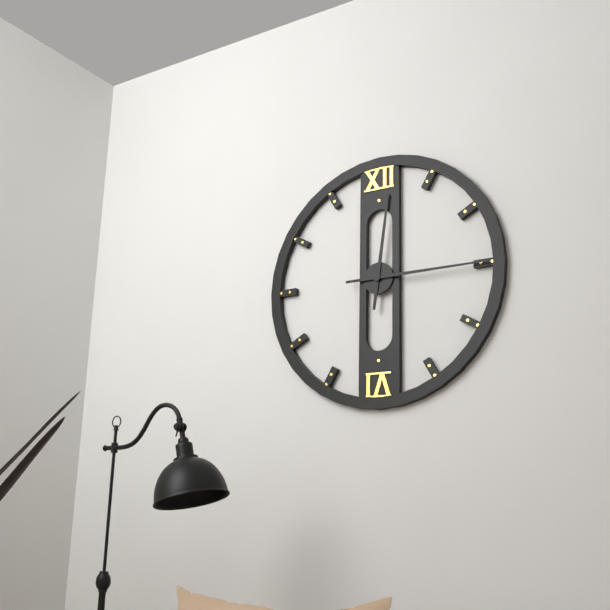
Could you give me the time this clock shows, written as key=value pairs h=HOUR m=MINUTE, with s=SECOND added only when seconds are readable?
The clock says h=12 m=15
